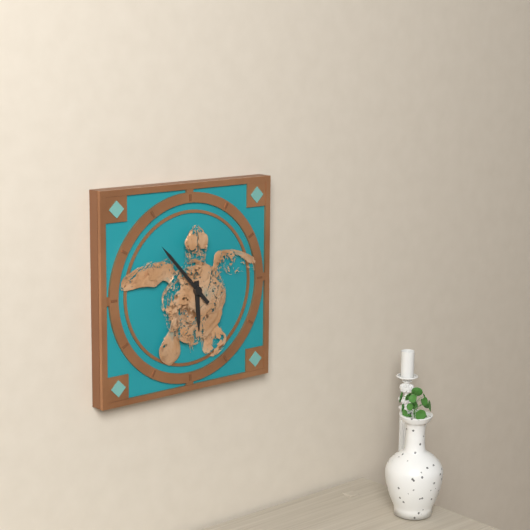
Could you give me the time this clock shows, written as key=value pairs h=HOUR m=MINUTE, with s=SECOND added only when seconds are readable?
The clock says h=5 m=53
